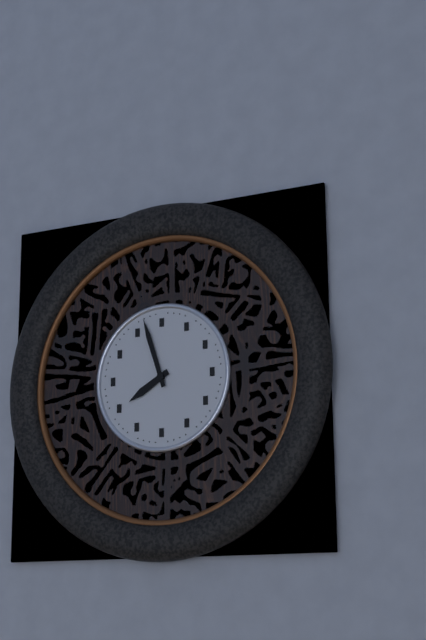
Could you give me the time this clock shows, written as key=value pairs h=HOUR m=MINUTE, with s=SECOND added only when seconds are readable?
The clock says h=7 m=57
